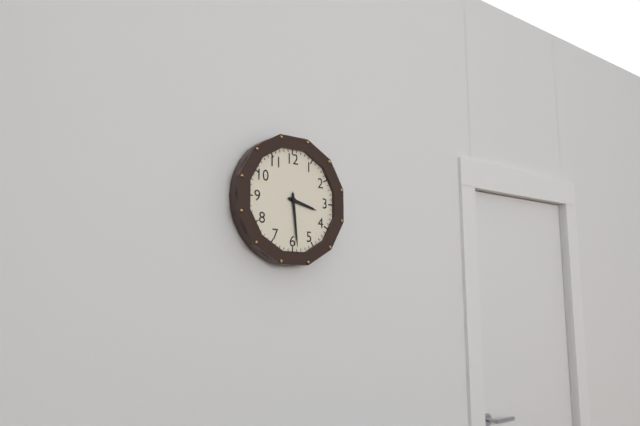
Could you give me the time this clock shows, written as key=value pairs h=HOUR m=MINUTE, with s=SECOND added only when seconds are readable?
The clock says h=3 m=29
